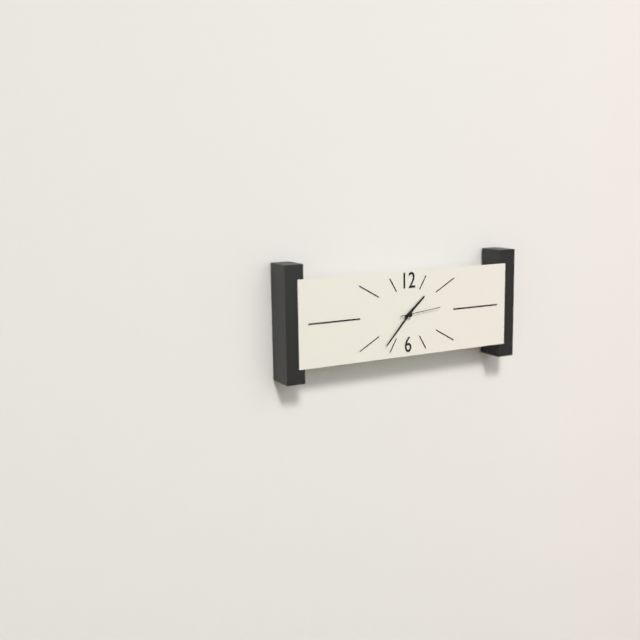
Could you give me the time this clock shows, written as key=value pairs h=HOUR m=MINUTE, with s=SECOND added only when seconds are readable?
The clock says h=1 m=37
